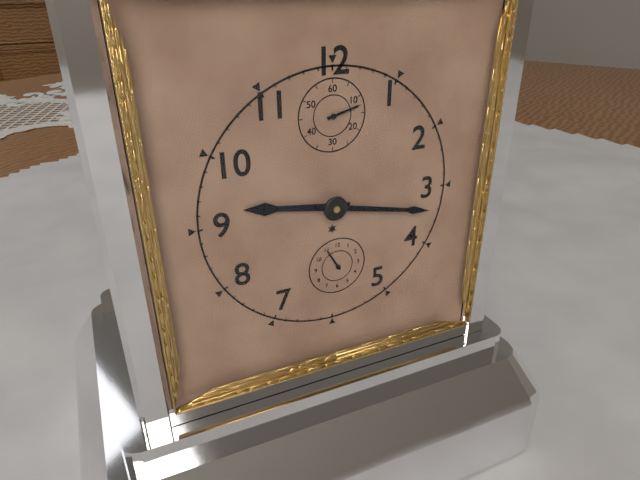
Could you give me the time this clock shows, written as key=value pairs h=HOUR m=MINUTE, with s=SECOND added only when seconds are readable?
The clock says h=9 m=17
